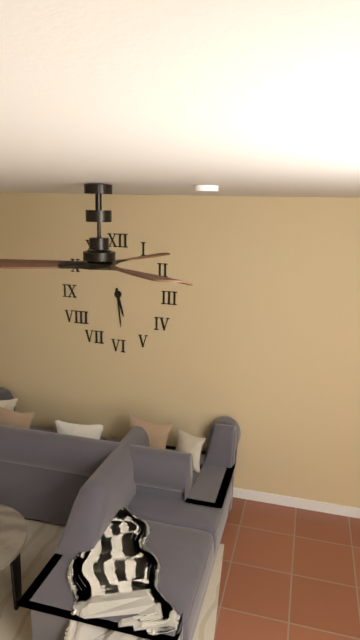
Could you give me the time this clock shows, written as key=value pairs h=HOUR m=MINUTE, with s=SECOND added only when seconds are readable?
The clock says h=5 m=29
